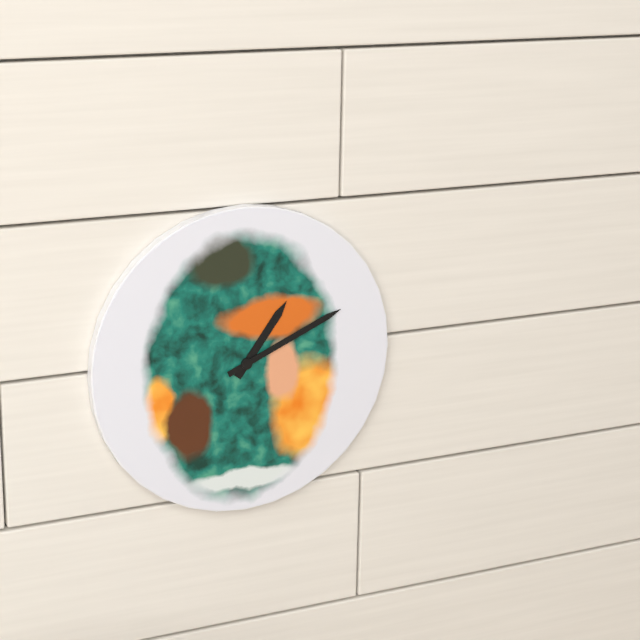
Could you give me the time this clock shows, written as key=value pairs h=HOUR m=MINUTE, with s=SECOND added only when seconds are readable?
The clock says h=1 m=11
